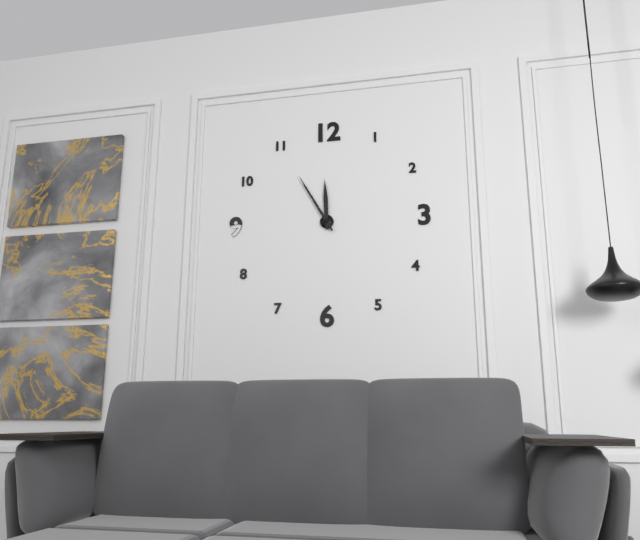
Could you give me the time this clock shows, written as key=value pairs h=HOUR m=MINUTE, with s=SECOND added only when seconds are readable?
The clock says h=11 m=55
